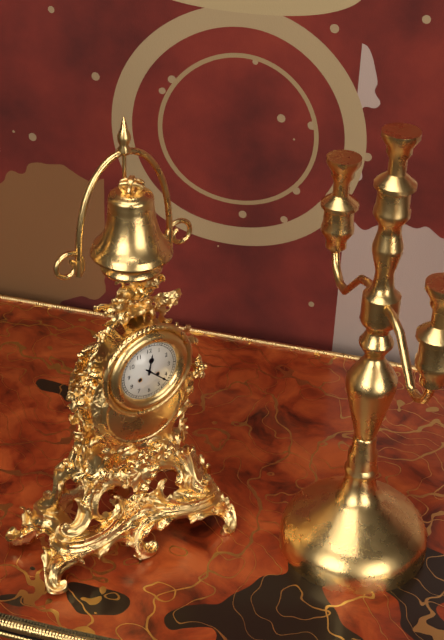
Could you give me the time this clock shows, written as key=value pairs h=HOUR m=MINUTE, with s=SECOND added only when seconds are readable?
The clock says h=12 m=22
